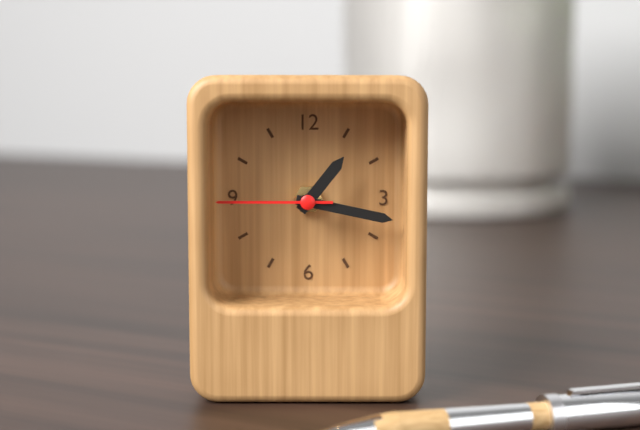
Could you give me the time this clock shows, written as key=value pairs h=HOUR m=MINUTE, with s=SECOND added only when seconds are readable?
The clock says h=1 m=17 s=45
